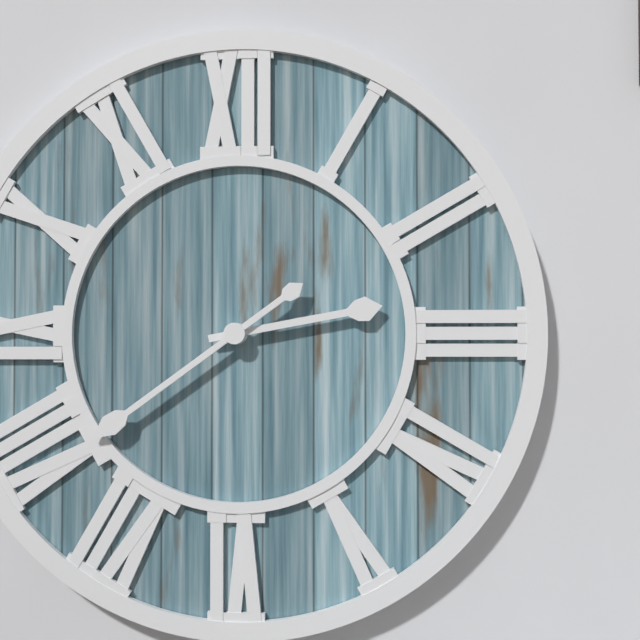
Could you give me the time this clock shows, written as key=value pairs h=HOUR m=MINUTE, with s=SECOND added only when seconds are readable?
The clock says h=2 m=39
